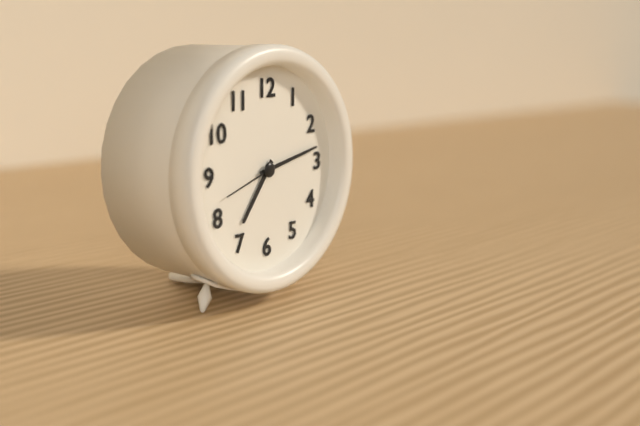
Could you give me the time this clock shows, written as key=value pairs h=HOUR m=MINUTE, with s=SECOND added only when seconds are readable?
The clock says h=7 m=13 s=42
